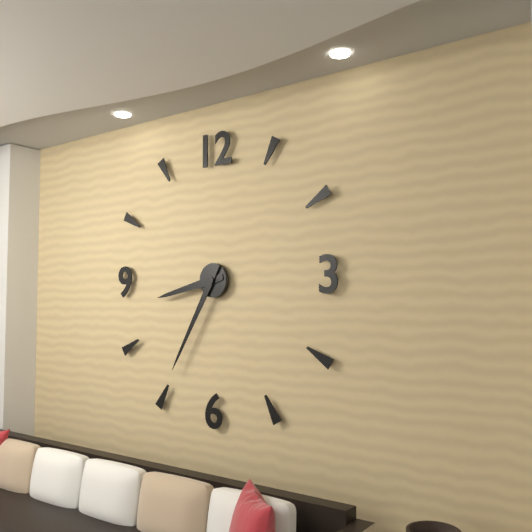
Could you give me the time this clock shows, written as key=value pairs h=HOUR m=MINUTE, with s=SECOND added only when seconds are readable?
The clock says h=8 m=35
